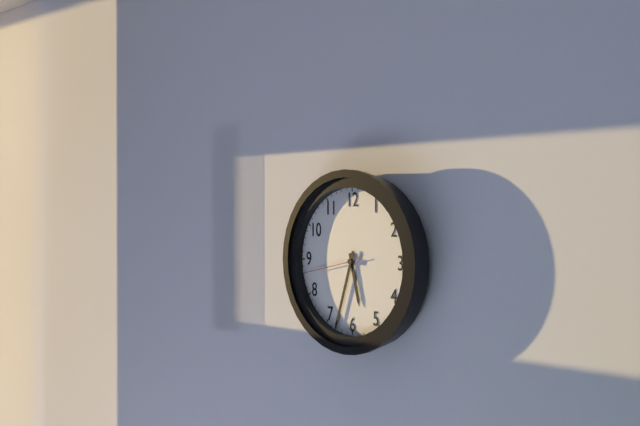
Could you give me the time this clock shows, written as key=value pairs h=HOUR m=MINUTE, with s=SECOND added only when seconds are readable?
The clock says h=5 m=33 s=43
